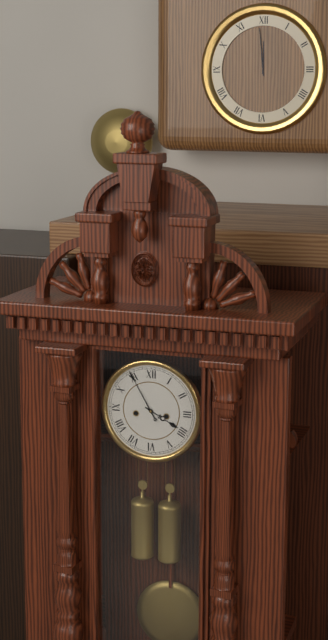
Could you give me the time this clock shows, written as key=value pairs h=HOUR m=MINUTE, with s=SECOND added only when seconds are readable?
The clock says h=3 m=55
